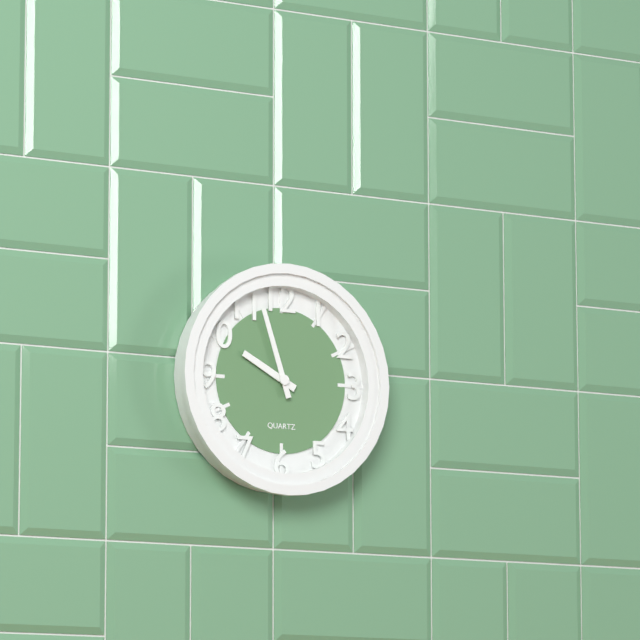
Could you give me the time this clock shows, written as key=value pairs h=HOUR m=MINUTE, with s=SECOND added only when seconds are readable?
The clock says h=9 m=57
